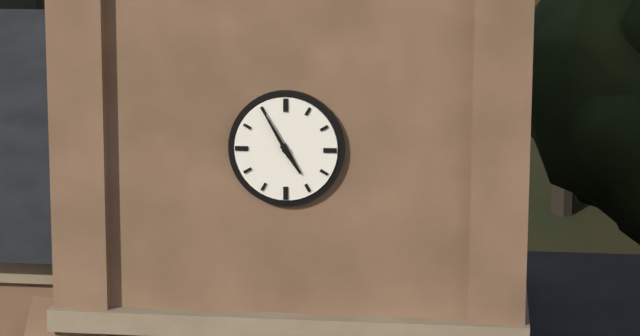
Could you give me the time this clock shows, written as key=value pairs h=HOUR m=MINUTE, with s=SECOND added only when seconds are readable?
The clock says h=4 m=55
